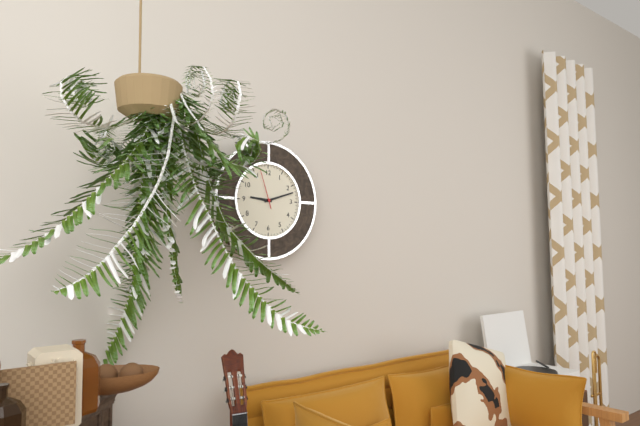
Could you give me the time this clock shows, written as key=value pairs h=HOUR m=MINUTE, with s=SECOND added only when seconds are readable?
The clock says h=9 m=12
